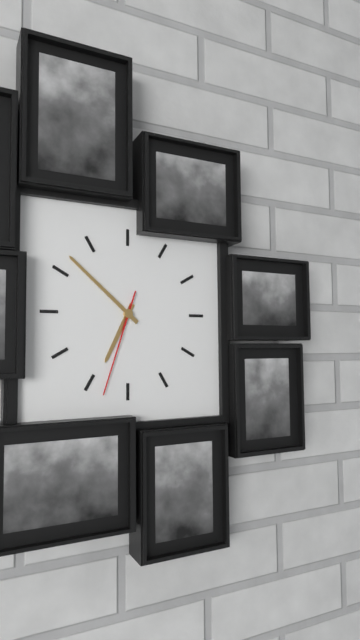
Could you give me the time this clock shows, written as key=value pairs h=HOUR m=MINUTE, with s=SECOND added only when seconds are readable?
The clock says h=6 m=52 s=33
